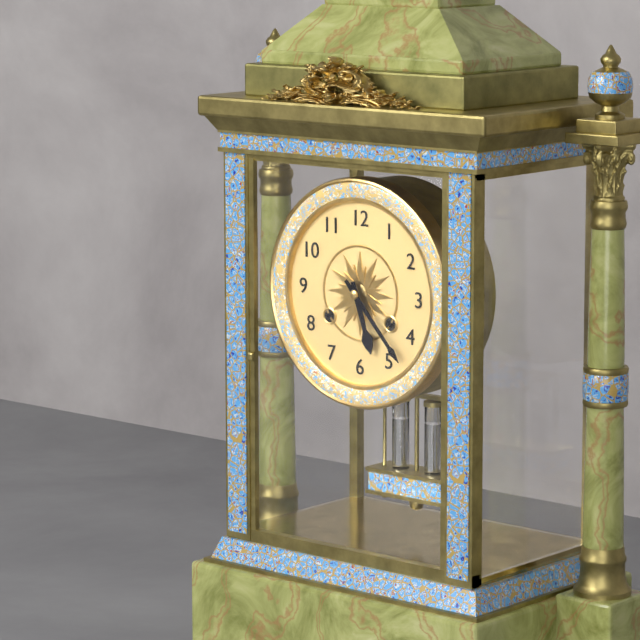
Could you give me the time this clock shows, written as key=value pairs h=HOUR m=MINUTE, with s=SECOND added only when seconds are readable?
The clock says h=5 m=23
